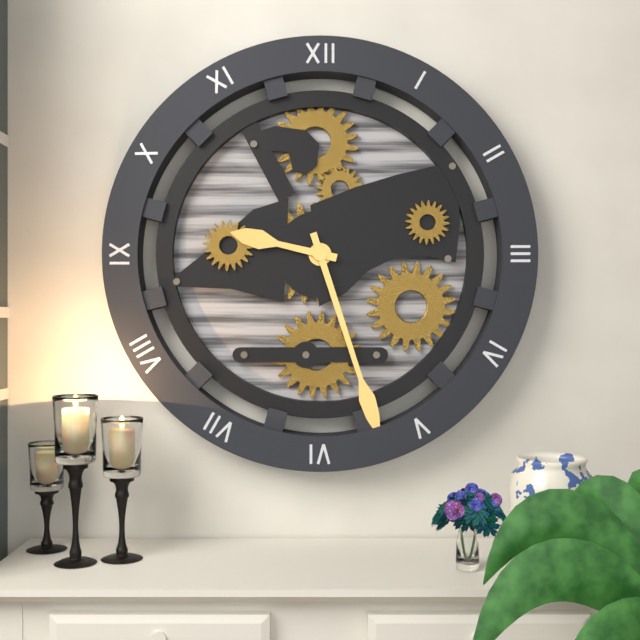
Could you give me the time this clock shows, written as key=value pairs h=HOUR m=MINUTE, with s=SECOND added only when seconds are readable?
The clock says h=9 m=27
